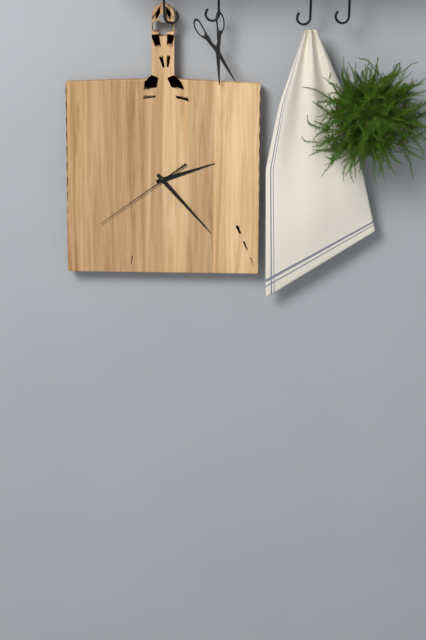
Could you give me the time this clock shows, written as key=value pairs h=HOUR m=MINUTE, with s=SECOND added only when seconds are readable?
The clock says h=2 m=23 s=39
